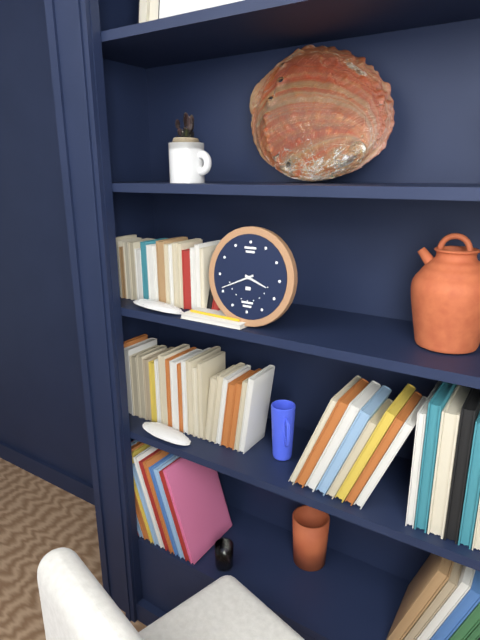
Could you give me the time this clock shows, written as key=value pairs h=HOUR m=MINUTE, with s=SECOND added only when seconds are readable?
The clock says h=3 m=41
